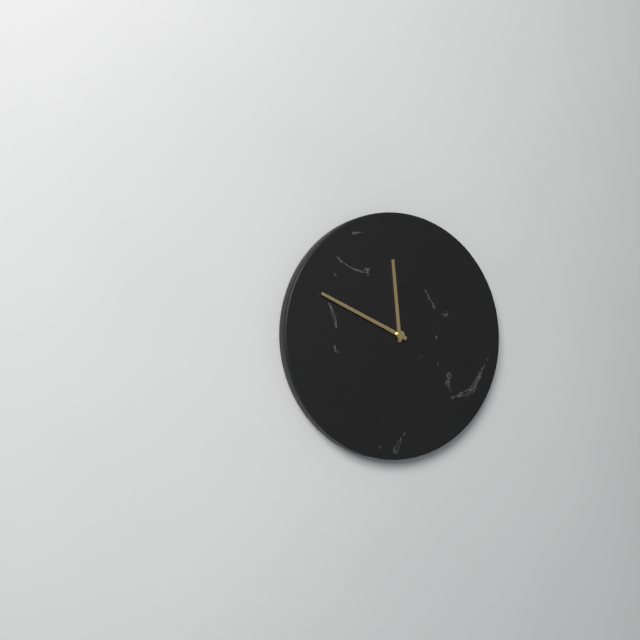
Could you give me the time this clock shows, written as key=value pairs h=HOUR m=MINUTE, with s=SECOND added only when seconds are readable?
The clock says h=11 m=49
